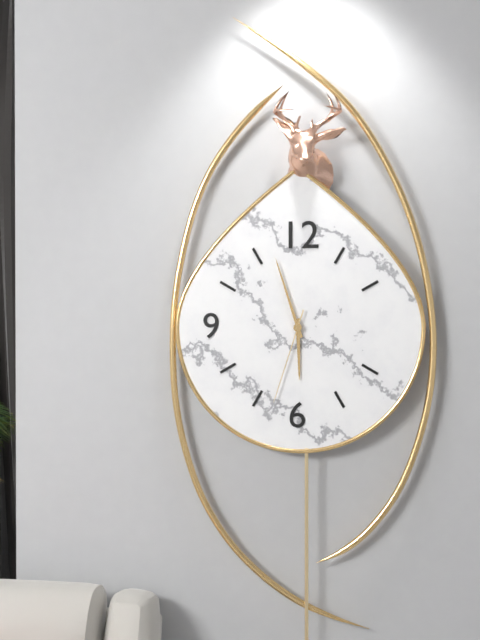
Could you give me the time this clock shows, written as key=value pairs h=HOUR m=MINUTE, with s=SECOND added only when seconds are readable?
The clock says h=5 m=57 s=33
